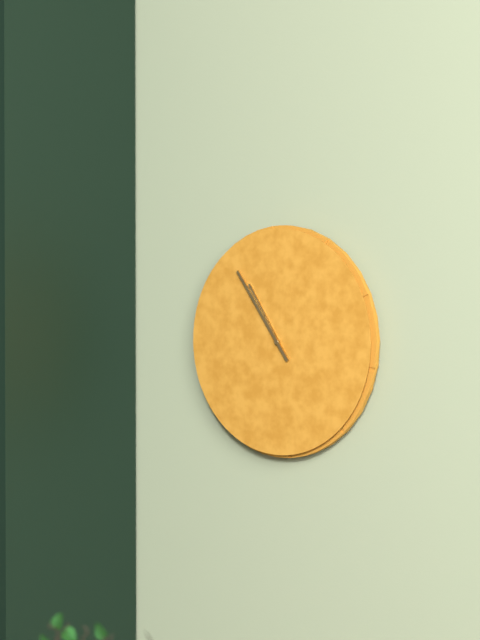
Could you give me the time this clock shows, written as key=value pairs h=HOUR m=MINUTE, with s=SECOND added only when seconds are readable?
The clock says h=10 m=54
